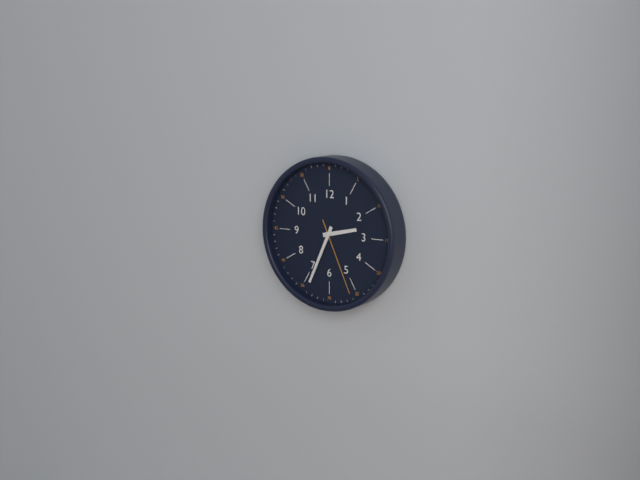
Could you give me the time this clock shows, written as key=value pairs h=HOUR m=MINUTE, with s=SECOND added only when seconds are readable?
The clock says h=2 m=34 s=26
